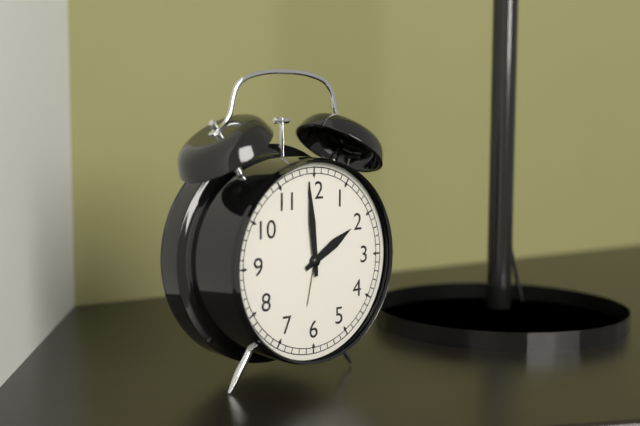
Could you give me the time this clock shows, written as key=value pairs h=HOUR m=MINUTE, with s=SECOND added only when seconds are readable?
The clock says h=1 m=59
